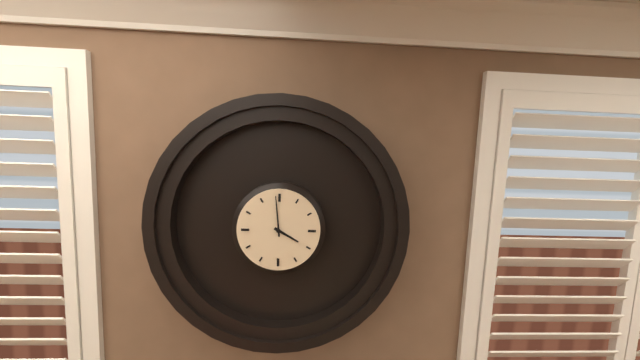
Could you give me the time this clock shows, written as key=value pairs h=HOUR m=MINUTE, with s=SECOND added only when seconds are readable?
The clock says h=3 m=59
